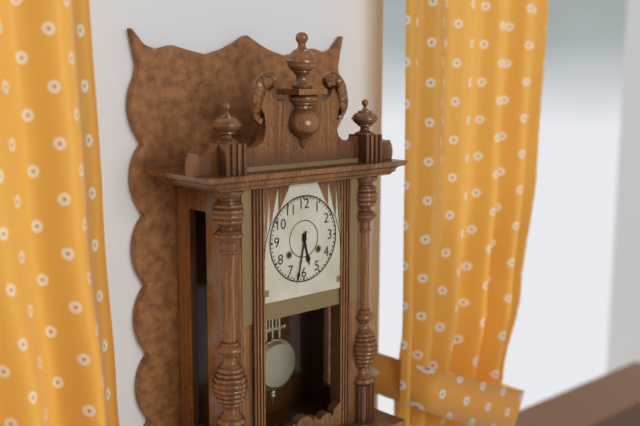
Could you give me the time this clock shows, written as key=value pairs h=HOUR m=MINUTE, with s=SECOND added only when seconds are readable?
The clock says h=5 m=32
